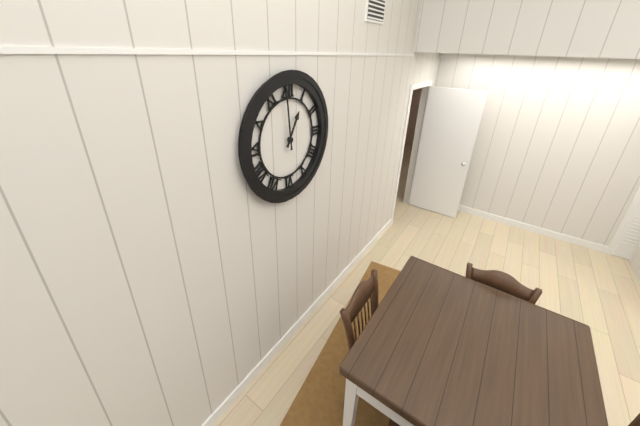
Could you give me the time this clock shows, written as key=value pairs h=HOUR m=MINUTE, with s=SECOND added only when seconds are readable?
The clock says h=12 m=59
